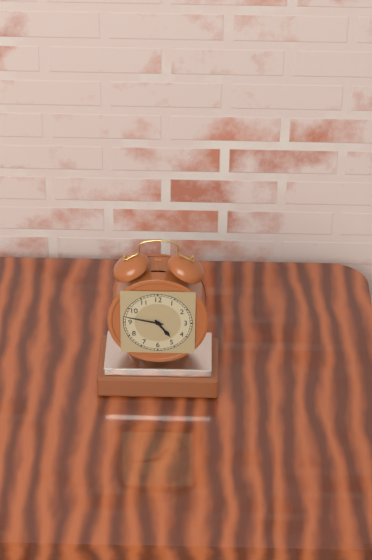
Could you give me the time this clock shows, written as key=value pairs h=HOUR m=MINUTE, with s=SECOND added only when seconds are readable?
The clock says h=4 m=47
